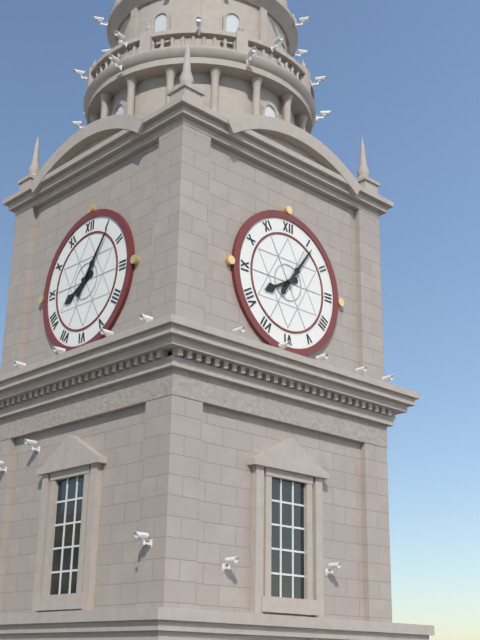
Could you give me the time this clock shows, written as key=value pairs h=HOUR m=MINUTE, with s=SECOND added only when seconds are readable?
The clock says h=8 m=6
